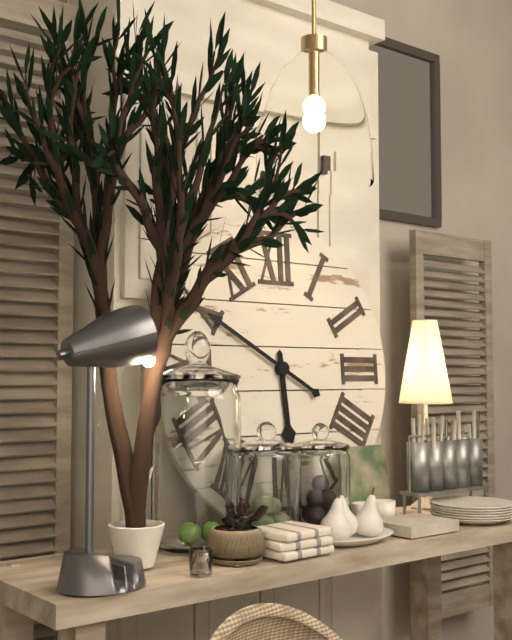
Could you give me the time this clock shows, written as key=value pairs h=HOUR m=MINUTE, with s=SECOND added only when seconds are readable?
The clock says h=5 m=50
